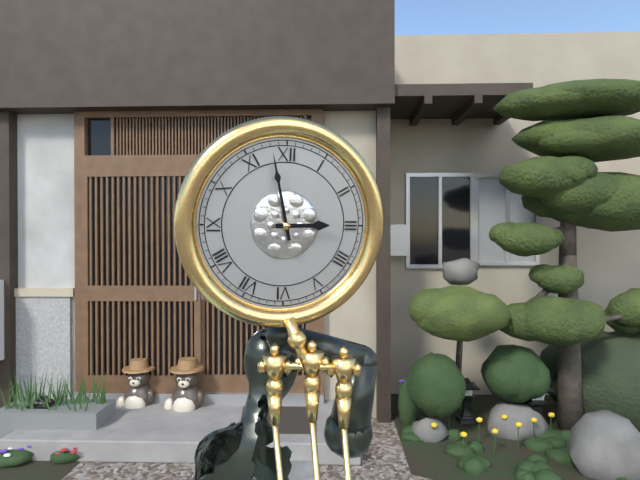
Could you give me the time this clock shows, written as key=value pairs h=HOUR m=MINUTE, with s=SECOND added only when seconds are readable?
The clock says h=2 m=58
